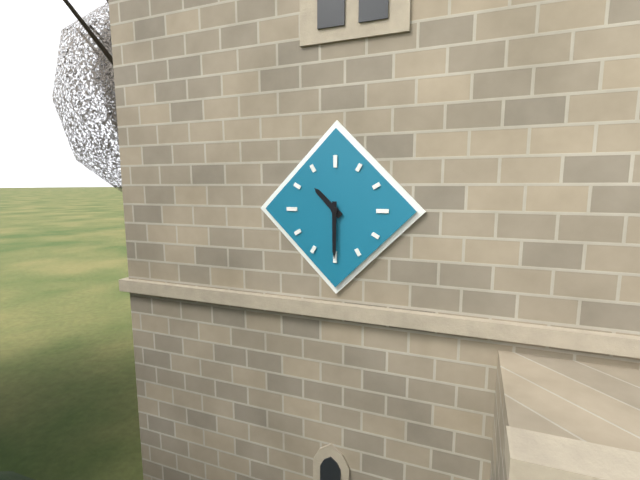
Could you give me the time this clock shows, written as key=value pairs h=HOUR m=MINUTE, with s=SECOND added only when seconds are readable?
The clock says h=10 m=30
